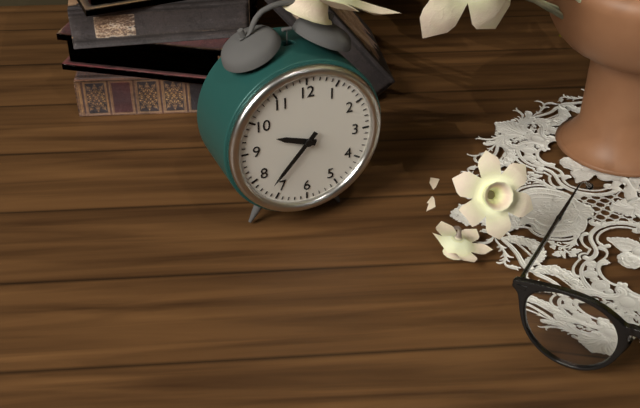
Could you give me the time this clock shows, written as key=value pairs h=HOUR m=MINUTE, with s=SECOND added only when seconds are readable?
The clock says h=9 m=37
